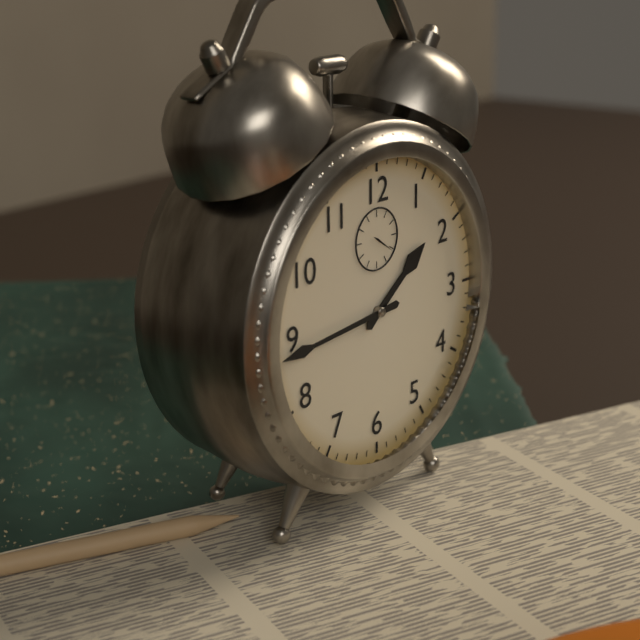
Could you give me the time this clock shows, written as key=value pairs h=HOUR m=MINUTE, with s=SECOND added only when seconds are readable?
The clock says h=1 m=44
